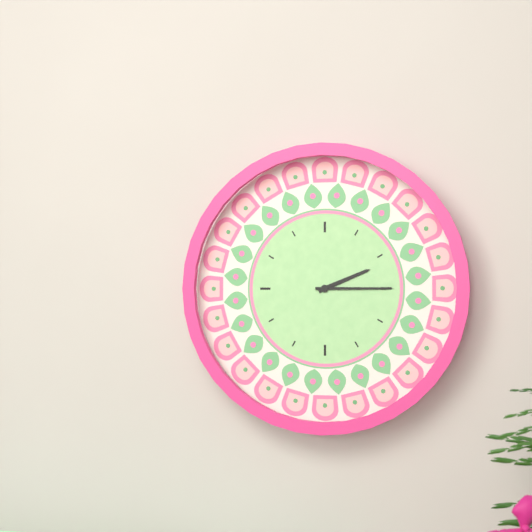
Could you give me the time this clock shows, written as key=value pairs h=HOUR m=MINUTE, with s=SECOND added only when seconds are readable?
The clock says h=2 m=15
